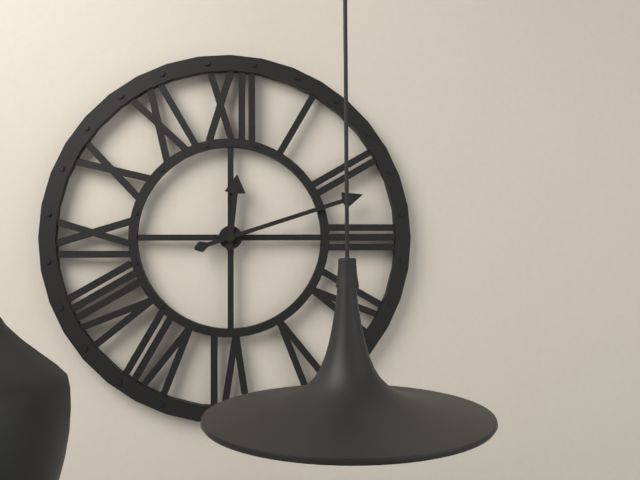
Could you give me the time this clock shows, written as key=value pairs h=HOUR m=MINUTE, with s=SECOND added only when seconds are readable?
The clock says h=12 m=12
